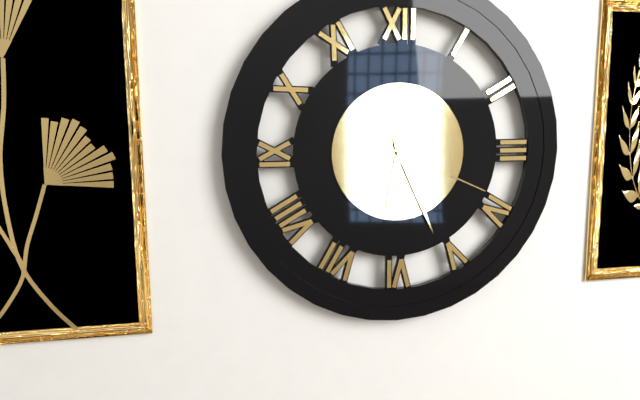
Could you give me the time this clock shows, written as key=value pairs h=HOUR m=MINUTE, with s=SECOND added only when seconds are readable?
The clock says h=6 m=26 s=19
